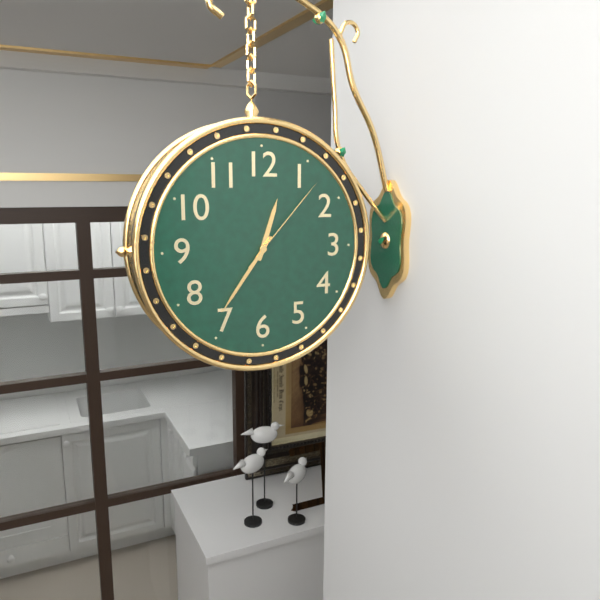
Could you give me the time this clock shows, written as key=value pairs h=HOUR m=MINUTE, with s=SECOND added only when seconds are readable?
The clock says h=12 m=36 s=7
